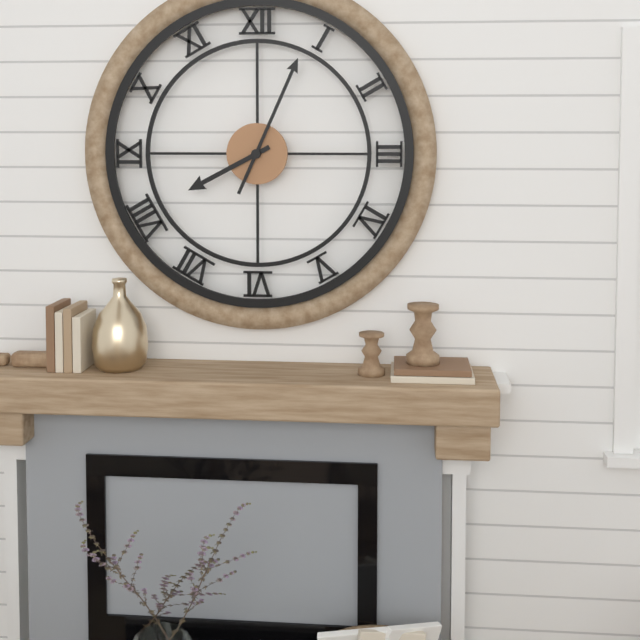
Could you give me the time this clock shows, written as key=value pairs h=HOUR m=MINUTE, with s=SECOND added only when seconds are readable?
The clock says h=8 m=4
